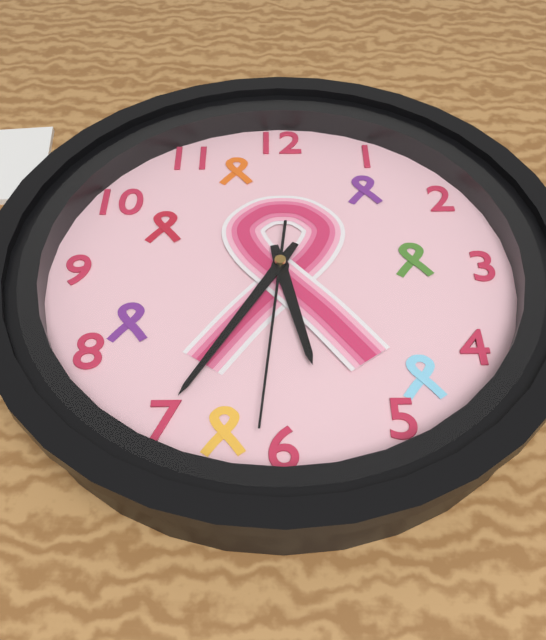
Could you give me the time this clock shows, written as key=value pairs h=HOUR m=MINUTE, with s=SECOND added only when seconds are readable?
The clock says h=5 m=35 s=31
